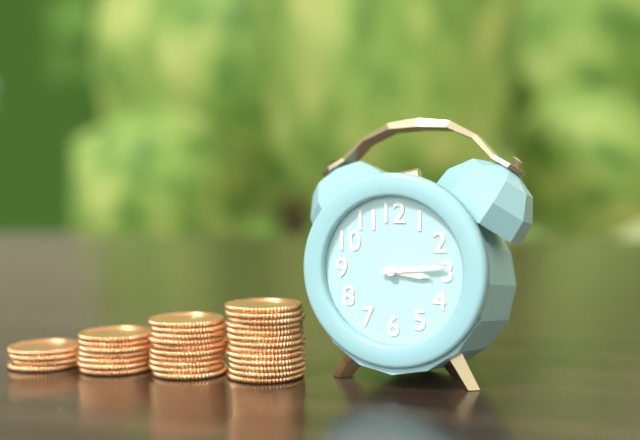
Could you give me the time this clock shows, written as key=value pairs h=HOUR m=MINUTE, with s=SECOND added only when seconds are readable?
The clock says h=3 m=14
